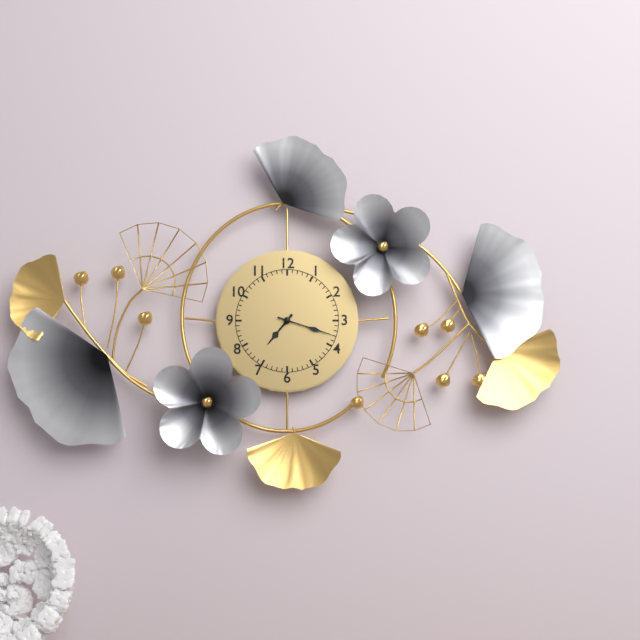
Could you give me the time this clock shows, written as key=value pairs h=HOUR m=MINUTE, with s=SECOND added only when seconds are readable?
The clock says h=7 m=18
